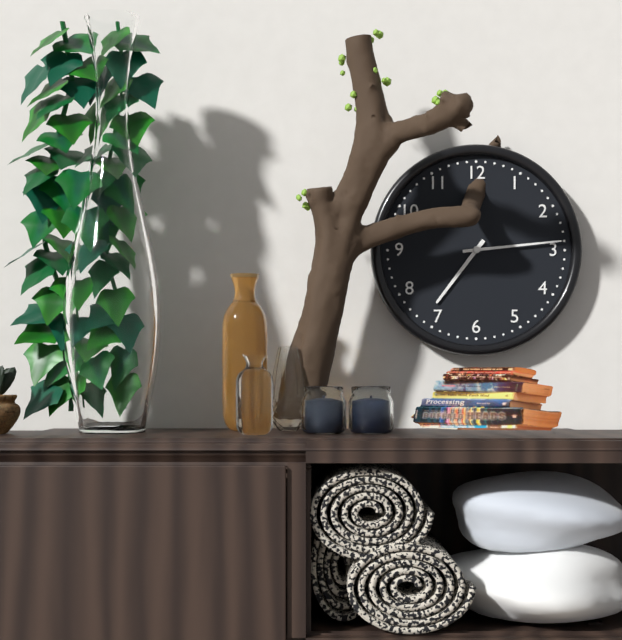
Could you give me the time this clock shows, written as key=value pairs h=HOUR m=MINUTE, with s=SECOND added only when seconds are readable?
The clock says h=7 m=14
